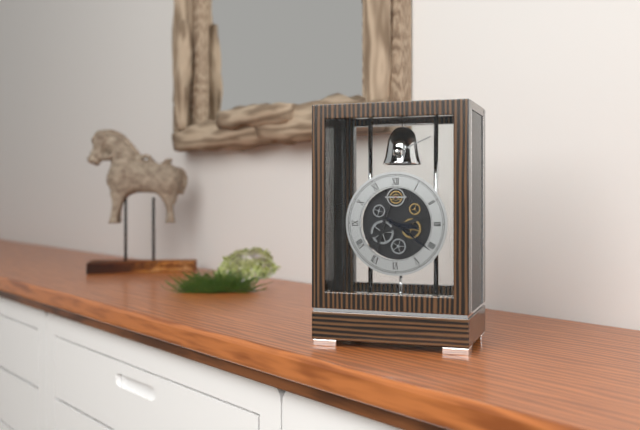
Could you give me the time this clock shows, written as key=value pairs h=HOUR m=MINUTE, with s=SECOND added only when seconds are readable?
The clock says h=3 m=21
